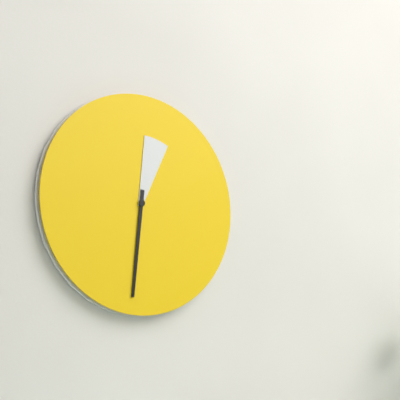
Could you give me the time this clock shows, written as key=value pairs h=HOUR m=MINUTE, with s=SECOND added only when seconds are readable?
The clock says h=12 m=31
